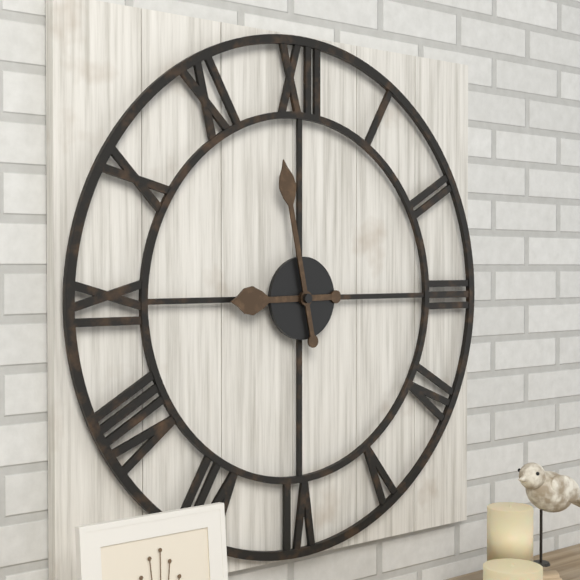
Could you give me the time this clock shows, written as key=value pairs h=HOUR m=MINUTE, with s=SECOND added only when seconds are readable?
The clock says h=8 m=58
